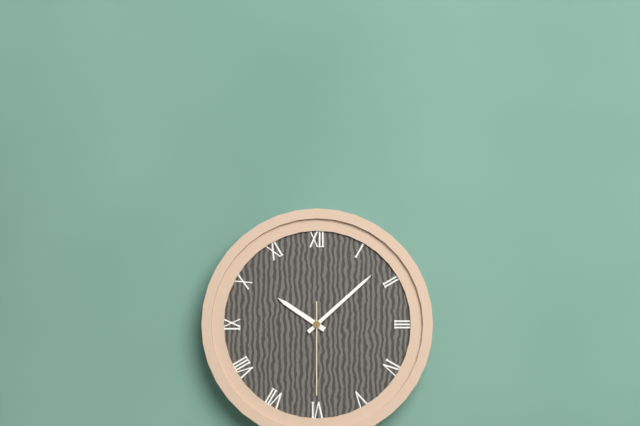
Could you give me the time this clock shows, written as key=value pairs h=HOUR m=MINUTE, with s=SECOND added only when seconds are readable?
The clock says h=10 m=8 s=30
